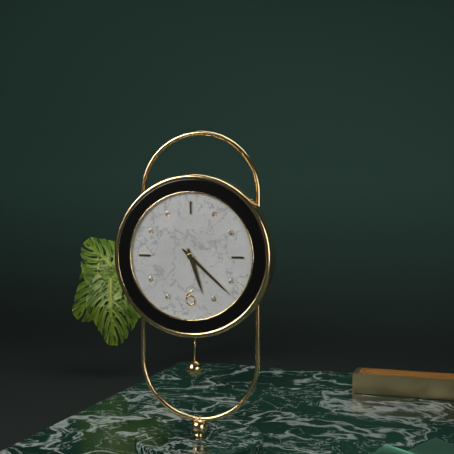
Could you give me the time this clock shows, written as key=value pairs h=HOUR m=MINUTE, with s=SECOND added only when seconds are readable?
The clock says h=5 m=22
